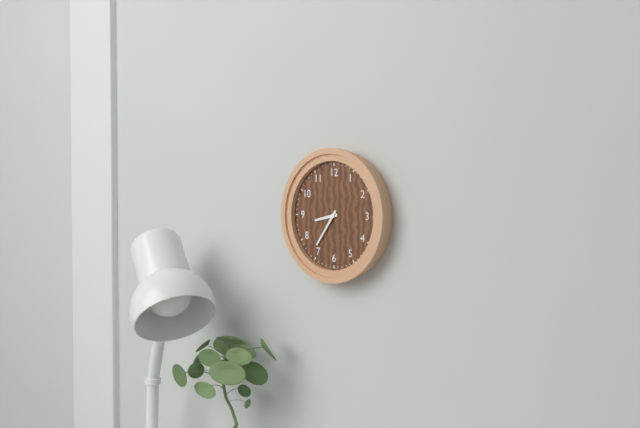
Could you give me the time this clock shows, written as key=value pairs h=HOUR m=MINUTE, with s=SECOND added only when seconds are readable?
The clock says h=8 m=36
